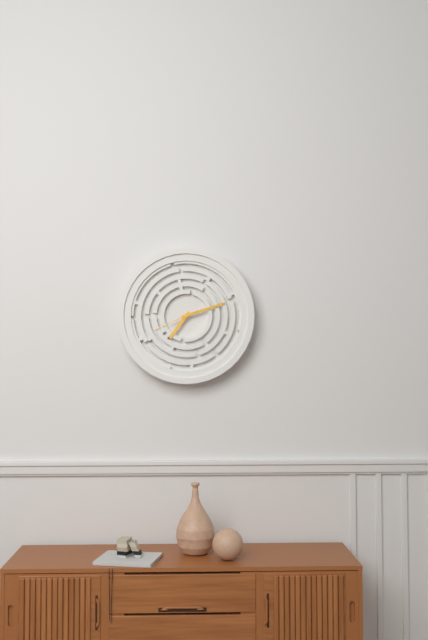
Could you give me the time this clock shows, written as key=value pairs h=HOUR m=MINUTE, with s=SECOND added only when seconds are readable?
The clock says h=7 m=12
